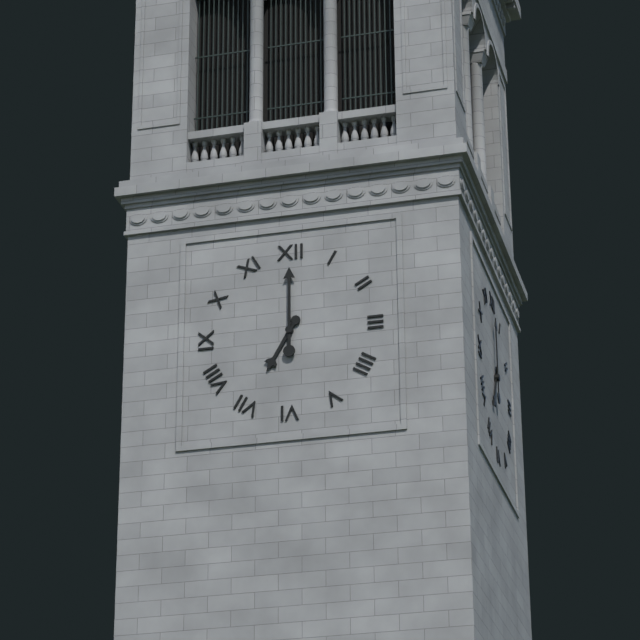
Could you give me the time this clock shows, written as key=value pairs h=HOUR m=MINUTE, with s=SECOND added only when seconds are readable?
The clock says h=7 m=0
